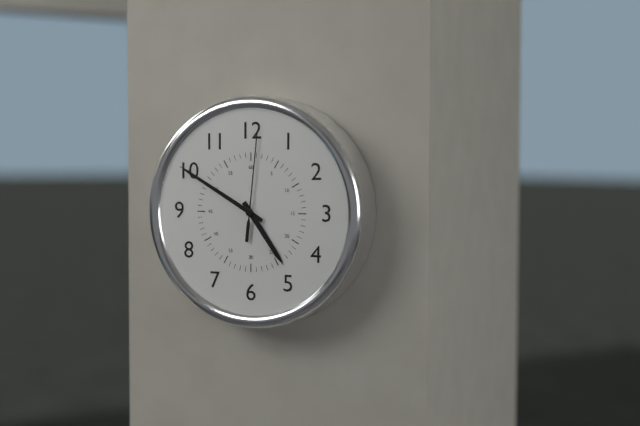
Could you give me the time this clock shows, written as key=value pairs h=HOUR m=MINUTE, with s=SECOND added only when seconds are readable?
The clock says h=4 m=50 s=1
